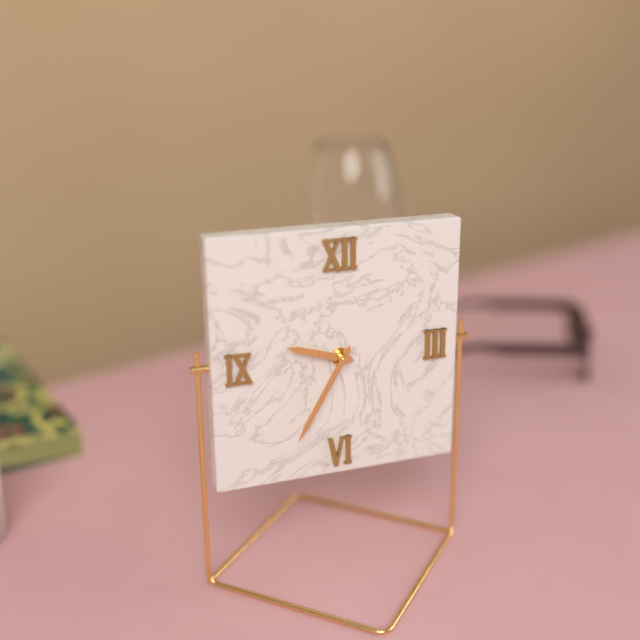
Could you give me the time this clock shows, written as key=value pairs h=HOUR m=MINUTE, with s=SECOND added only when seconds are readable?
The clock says h=9 m=35
